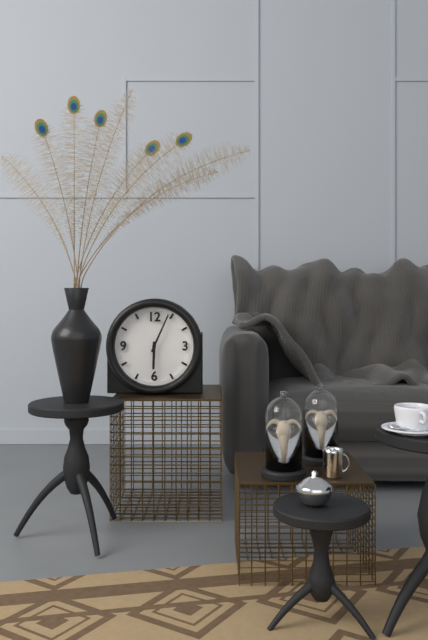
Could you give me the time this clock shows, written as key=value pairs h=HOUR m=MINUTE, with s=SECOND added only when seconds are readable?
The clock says h=6 m=4
